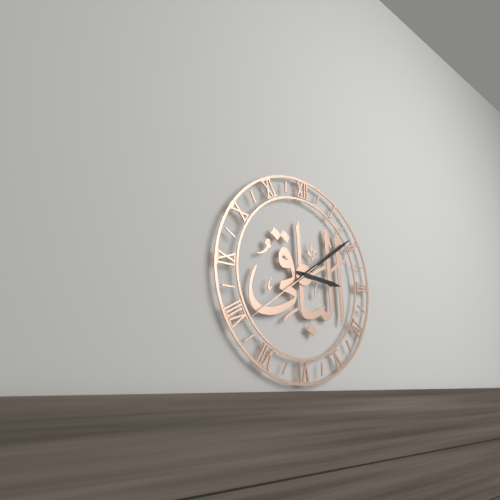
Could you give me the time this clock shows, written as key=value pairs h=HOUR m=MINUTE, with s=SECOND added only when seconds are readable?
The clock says h=3 m=9 s=39
